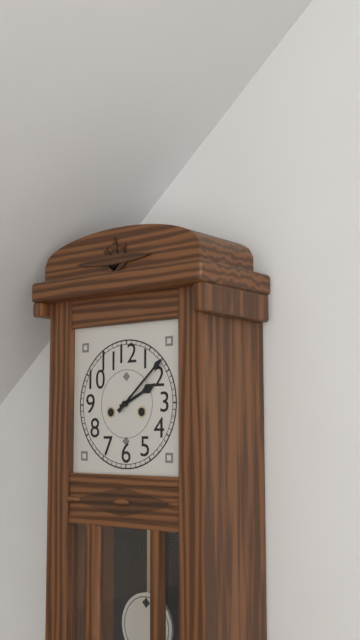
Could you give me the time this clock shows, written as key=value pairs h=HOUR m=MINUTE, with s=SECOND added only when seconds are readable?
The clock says h=2 m=8
